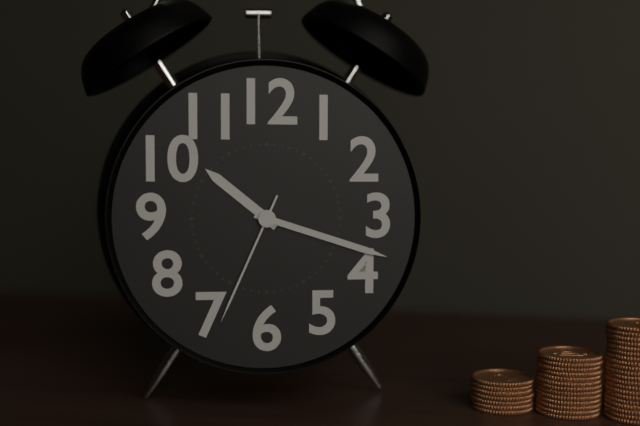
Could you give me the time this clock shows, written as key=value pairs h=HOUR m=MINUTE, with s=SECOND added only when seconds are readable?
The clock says h=10 m=18 s=34
